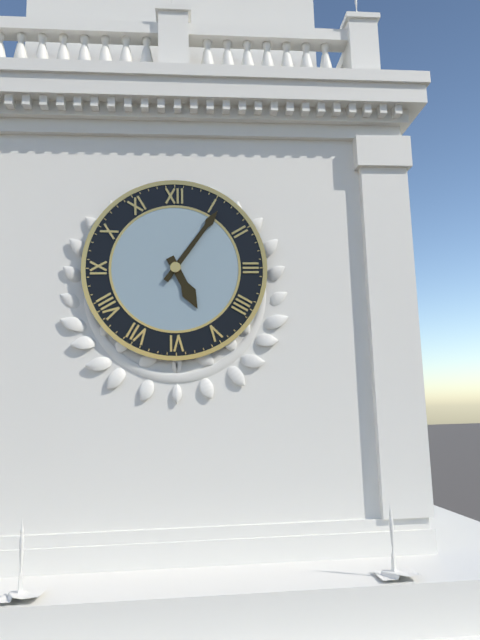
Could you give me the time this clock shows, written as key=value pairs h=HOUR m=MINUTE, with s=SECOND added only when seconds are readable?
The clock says h=5 m=6
